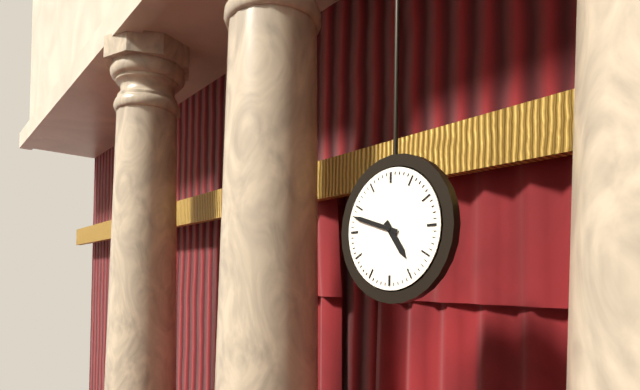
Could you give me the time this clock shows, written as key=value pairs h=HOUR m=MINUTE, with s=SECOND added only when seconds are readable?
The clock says h=4 m=48
